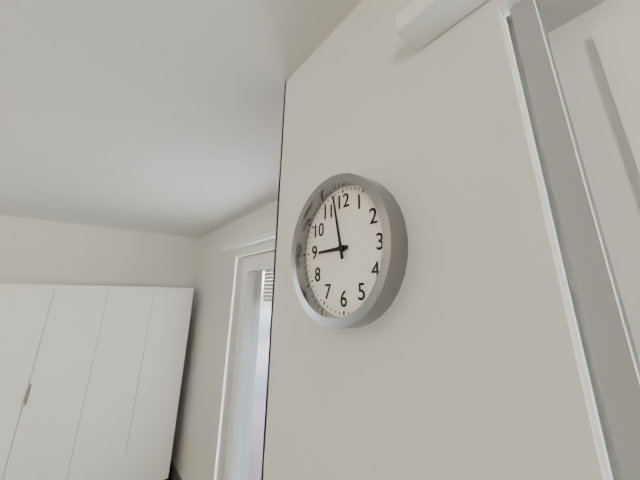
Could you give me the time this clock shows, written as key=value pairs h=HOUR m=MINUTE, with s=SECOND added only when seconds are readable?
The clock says h=8 m=58
